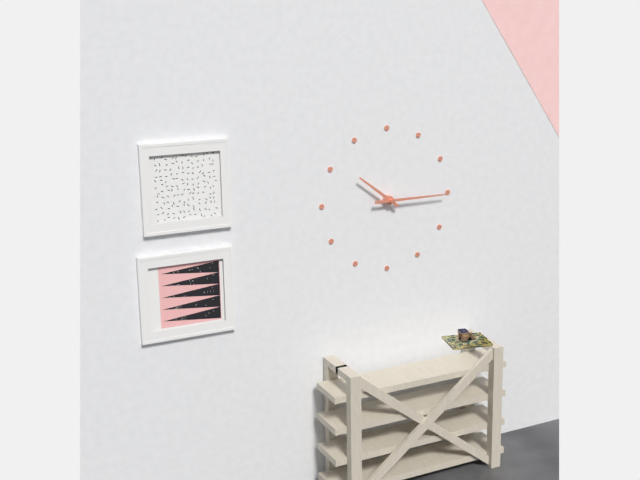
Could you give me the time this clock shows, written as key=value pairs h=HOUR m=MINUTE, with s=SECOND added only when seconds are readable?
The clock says h=10 m=15
